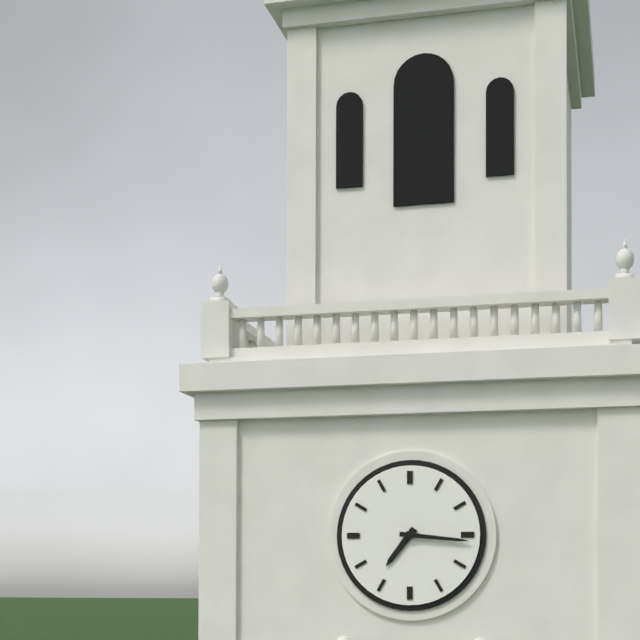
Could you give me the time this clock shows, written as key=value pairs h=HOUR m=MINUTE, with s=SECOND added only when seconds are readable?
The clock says h=7 m=16
